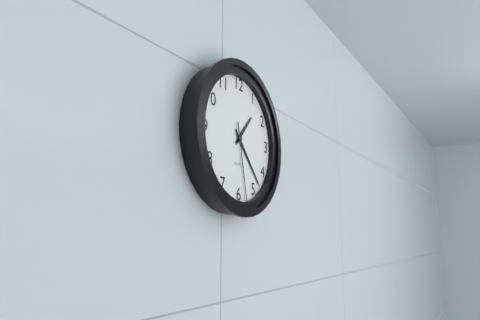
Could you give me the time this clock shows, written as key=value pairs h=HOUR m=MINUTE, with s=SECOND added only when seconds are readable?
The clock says h=1 m=23 s=28
